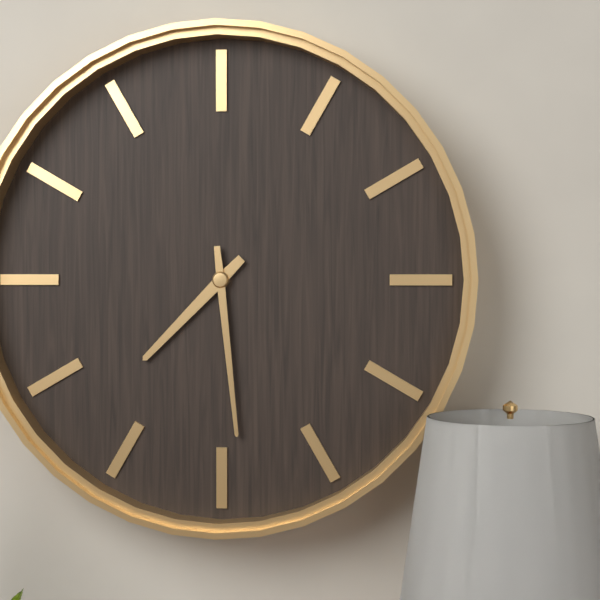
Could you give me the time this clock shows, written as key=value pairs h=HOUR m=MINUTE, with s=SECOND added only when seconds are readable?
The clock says h=7 m=29
